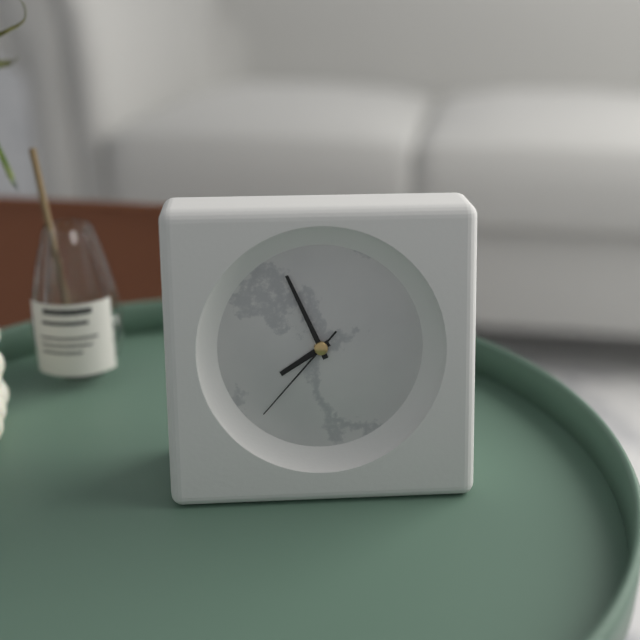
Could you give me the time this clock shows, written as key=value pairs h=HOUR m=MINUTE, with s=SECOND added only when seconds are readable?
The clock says h=7 m=56 s=37
